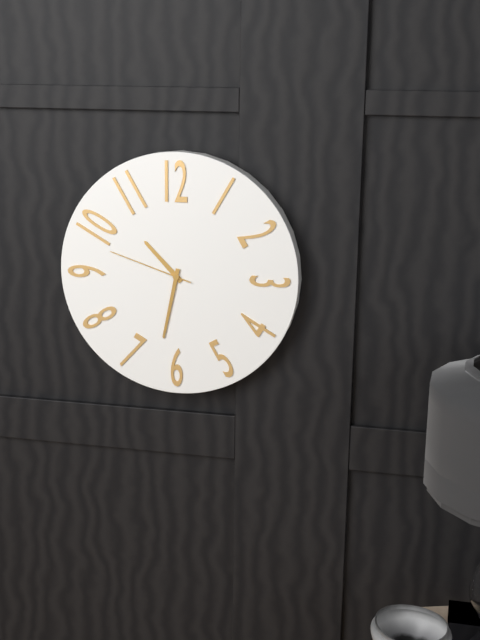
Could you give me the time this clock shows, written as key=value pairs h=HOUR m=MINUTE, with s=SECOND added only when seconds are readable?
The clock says h=10 m=32 s=48
